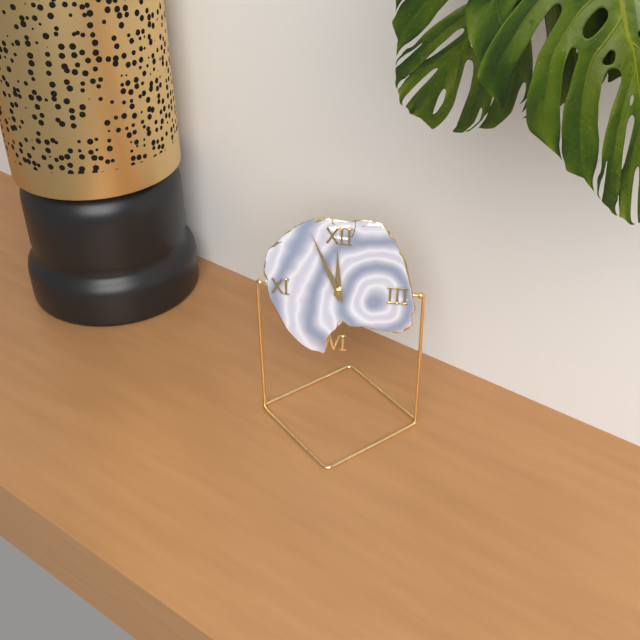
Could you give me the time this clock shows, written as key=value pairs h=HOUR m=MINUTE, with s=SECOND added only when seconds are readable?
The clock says h=11 m=56
